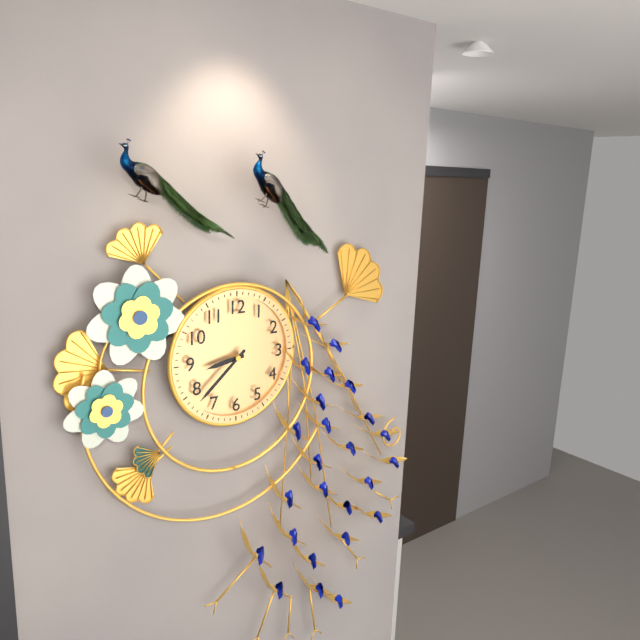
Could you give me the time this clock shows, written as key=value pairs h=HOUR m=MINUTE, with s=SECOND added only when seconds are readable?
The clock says h=8 m=38
